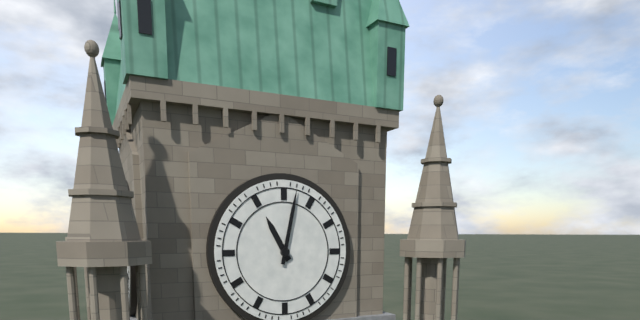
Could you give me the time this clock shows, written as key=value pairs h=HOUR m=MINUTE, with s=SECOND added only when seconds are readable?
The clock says h=11 m=2
